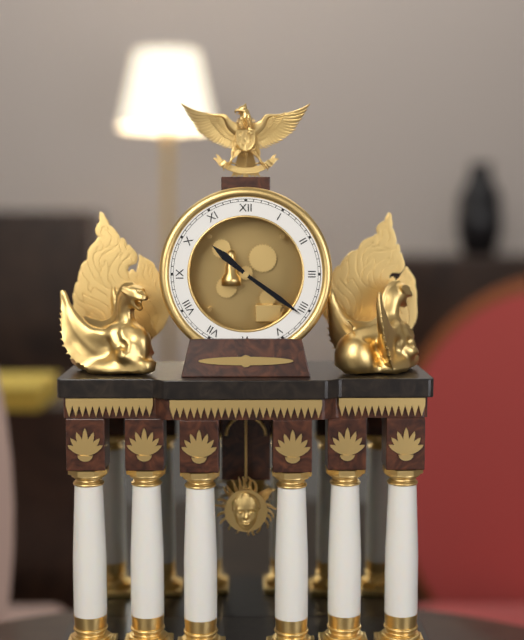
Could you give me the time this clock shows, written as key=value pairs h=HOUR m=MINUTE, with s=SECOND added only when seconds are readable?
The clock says h=10 m=21
